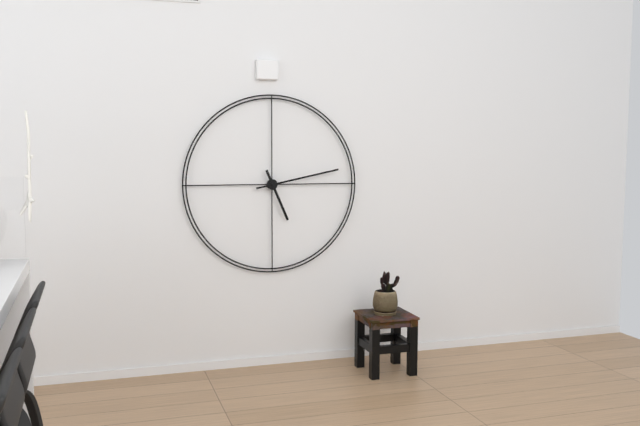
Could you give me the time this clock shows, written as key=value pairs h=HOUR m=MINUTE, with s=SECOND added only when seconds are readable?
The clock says h=5 m=13
